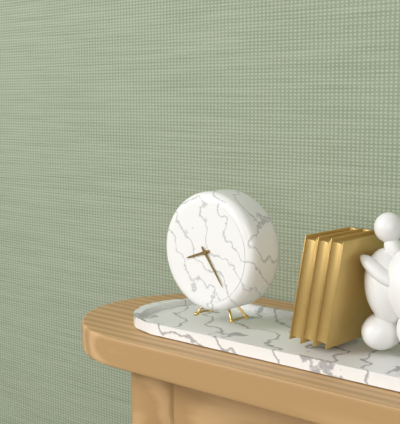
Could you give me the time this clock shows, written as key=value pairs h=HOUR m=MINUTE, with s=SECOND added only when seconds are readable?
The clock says h=8 m=24
